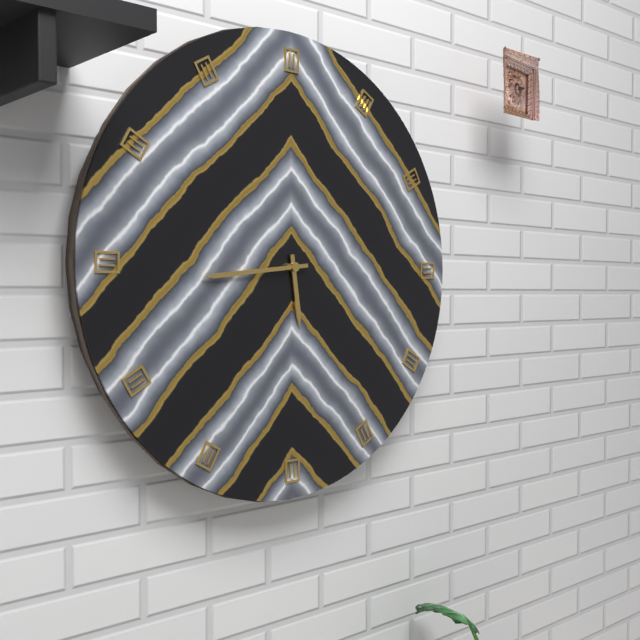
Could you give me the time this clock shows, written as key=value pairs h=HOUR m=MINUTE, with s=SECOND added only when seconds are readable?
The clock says h=5 m=44
